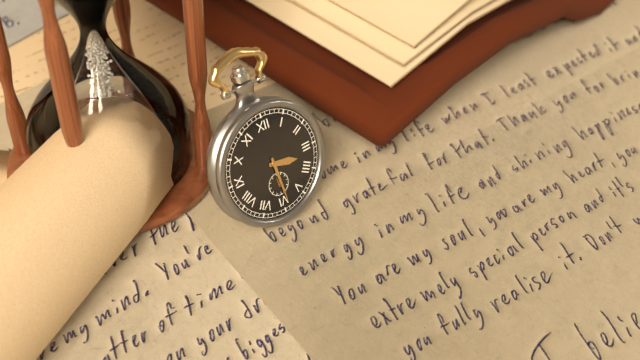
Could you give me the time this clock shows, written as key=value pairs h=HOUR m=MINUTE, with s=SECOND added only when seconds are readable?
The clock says h=3 m=29
